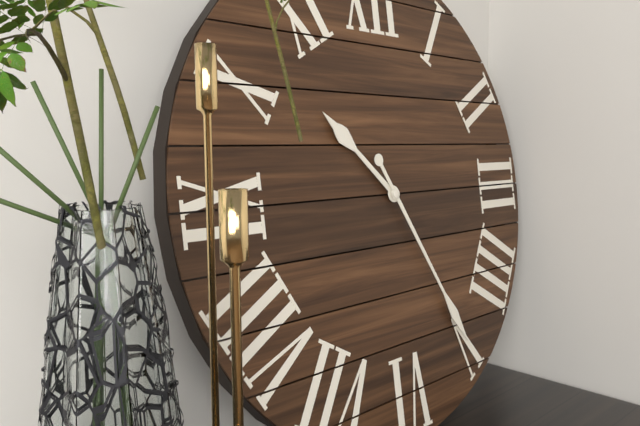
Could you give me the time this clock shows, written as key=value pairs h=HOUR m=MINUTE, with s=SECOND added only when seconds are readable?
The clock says h=10 m=25
